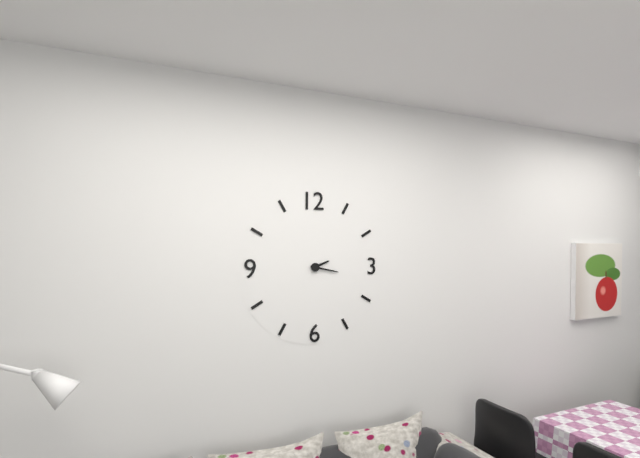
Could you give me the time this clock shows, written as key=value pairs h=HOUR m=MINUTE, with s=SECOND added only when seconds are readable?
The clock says h=2 m=17
